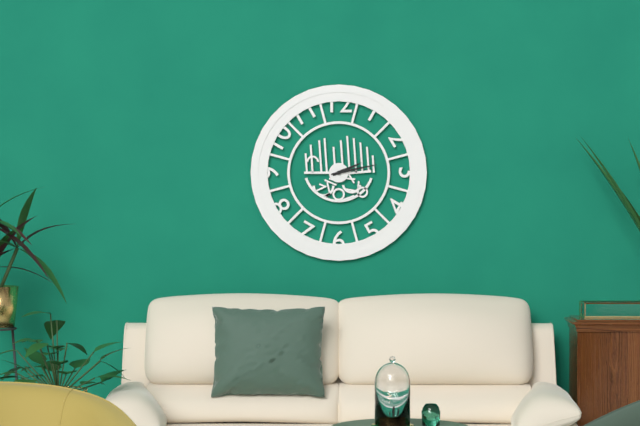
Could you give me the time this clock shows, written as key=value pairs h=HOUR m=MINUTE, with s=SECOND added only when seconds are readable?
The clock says h=2 m=13
